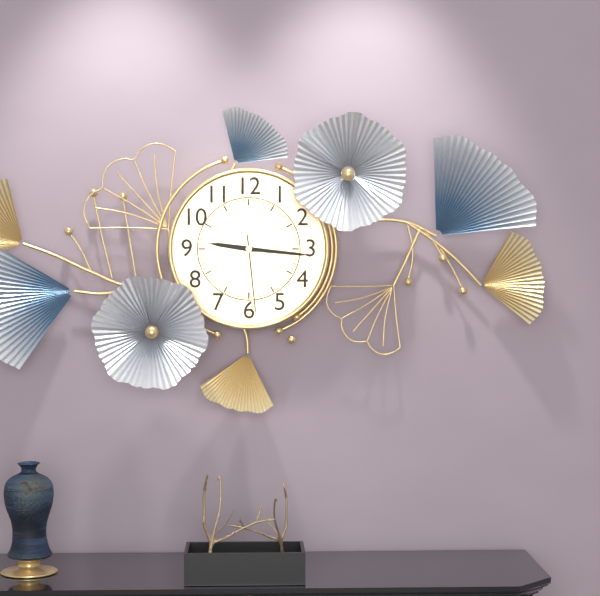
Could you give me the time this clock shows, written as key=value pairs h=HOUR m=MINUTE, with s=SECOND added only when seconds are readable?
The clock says h=9 m=16 s=29
